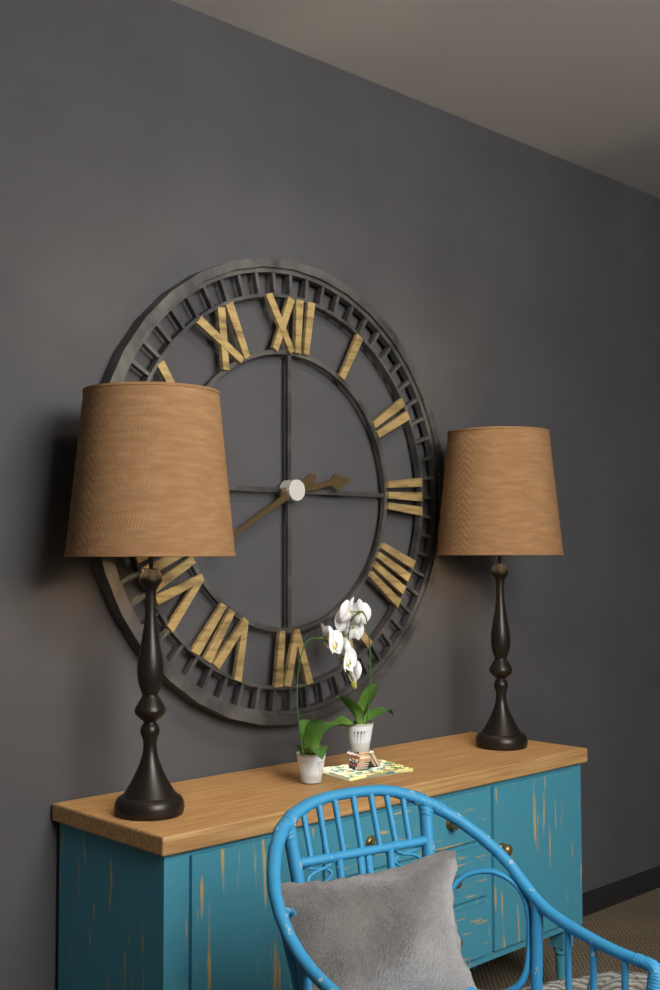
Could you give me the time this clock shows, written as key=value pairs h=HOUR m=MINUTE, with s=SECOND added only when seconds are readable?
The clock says h=2 m=40
